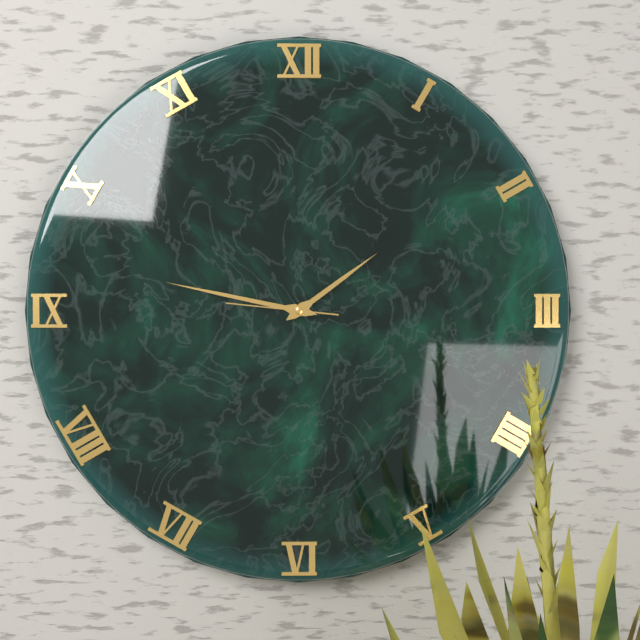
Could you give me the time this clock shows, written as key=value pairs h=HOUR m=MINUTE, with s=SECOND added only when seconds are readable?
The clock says h=1 m=47 s=46
